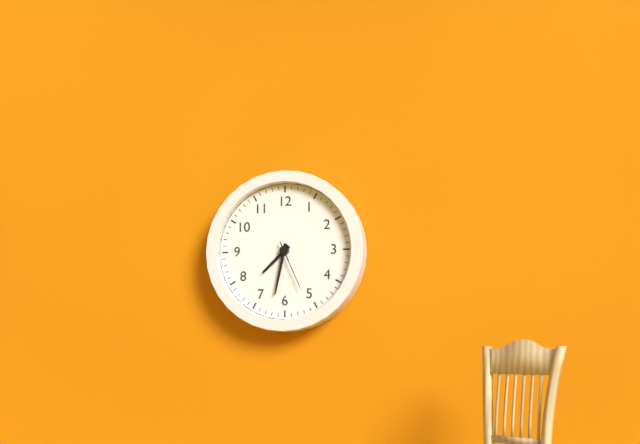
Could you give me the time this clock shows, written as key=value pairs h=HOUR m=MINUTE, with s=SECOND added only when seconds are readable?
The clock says h=7 m=32 s=26
